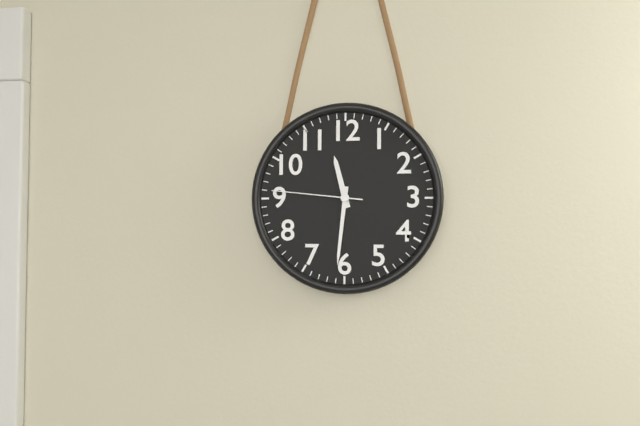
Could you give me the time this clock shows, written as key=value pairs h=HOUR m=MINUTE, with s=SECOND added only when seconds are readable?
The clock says h=11 m=31 s=46
